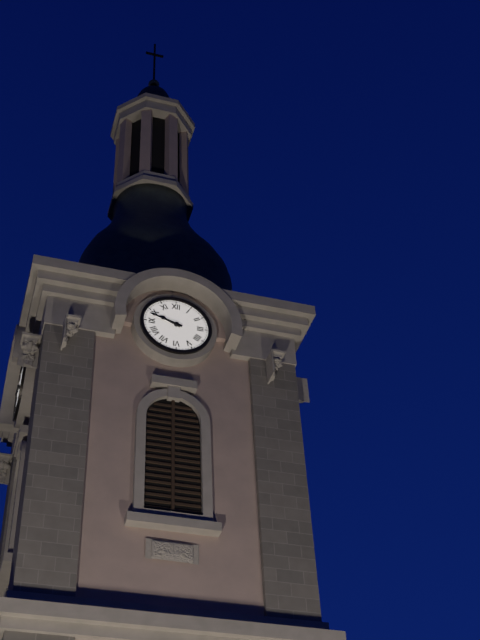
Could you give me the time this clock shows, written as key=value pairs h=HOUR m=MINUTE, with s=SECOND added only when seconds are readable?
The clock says h=9 m=48
